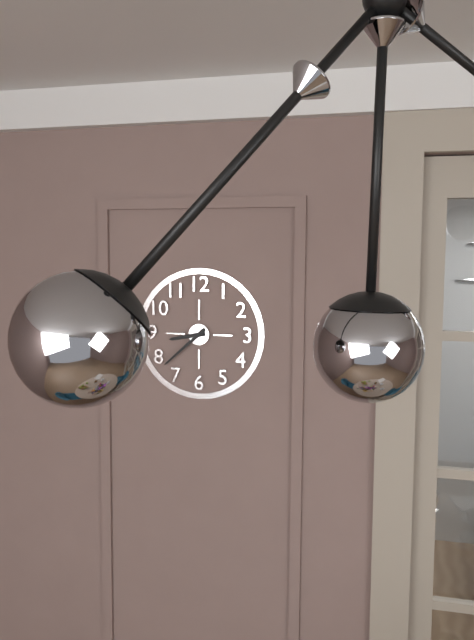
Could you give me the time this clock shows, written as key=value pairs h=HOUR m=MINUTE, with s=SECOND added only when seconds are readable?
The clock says h=8 m=38
